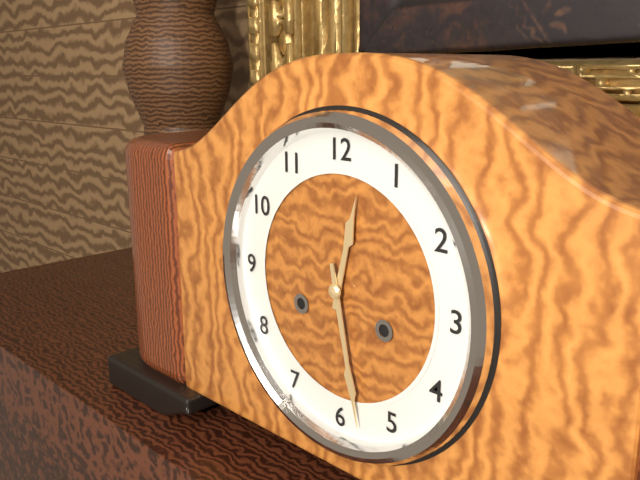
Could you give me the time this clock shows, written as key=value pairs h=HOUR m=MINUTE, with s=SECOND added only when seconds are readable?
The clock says h=12 m=28
